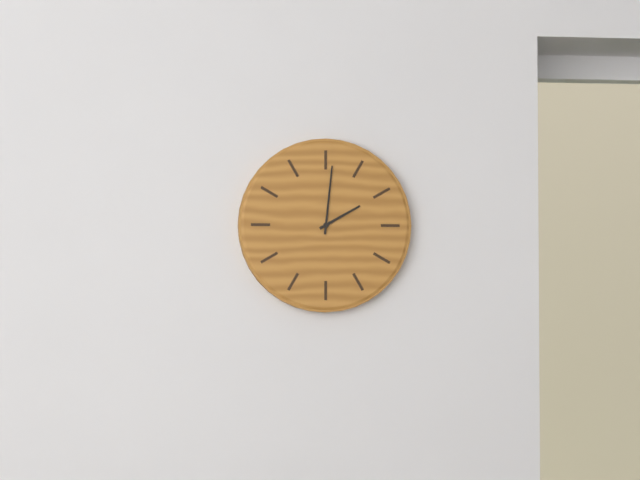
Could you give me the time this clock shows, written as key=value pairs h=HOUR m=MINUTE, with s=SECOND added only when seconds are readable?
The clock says h=2 m=1
